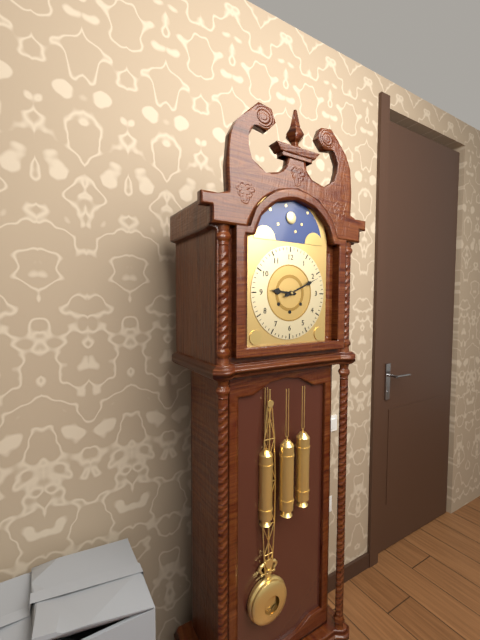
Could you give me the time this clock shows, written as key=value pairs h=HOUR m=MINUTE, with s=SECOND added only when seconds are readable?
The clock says h=9 m=11
